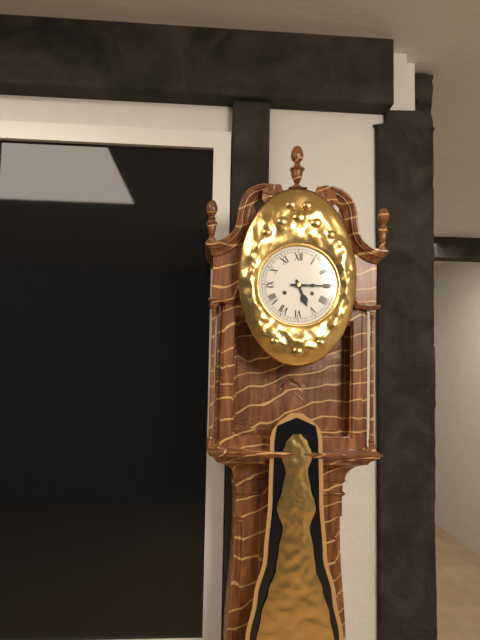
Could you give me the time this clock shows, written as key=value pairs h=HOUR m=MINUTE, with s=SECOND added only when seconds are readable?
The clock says h=5 m=15
